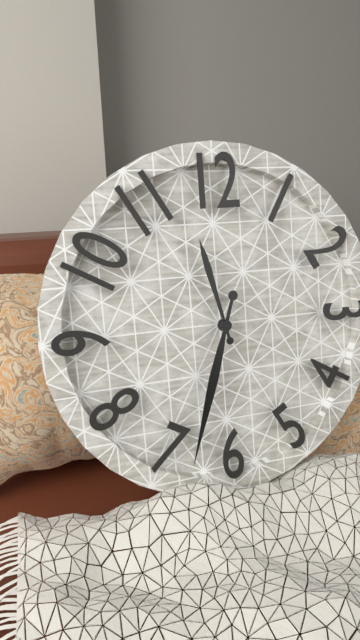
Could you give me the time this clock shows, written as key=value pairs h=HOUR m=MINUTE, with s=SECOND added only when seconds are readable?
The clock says h=11 m=33
